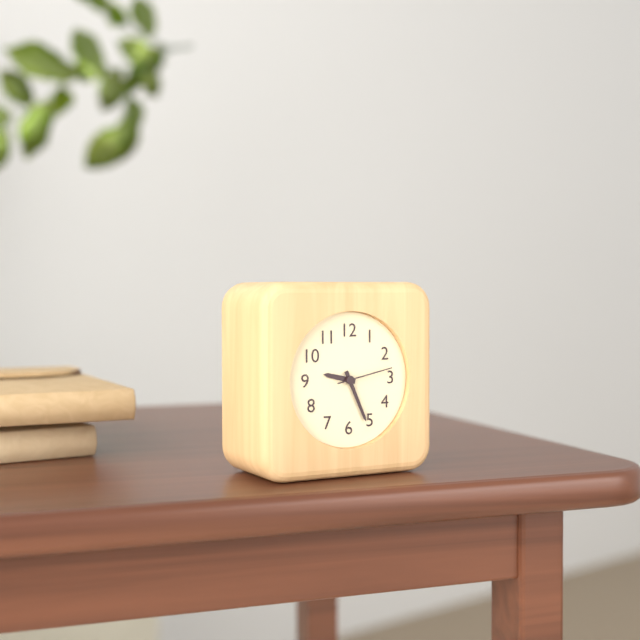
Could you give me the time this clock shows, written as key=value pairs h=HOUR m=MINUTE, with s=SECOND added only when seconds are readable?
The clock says h=9 m=26 s=13
